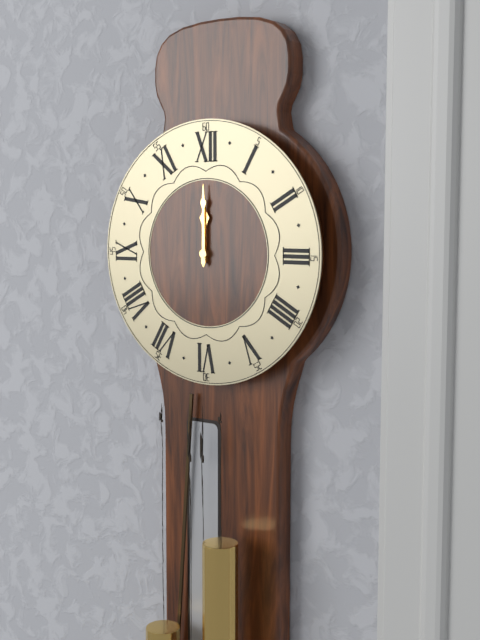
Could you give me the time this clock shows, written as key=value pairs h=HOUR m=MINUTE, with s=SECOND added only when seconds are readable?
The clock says h=12 m=0
